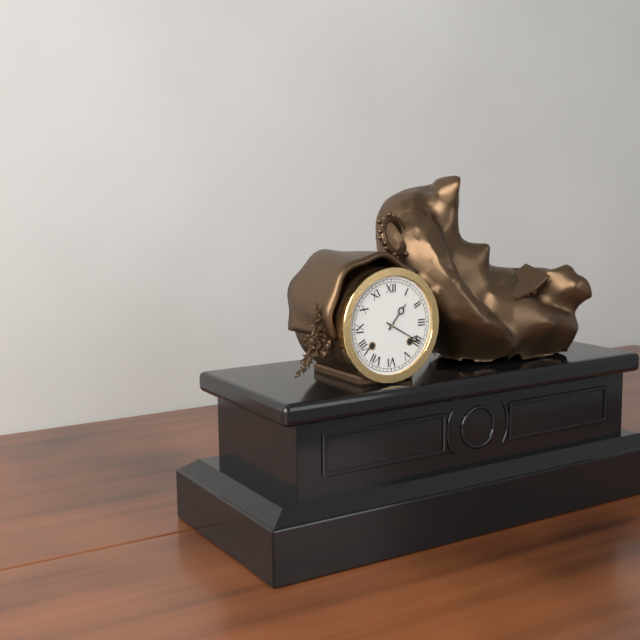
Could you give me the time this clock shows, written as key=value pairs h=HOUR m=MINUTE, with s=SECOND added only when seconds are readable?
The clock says h=1 m=20
